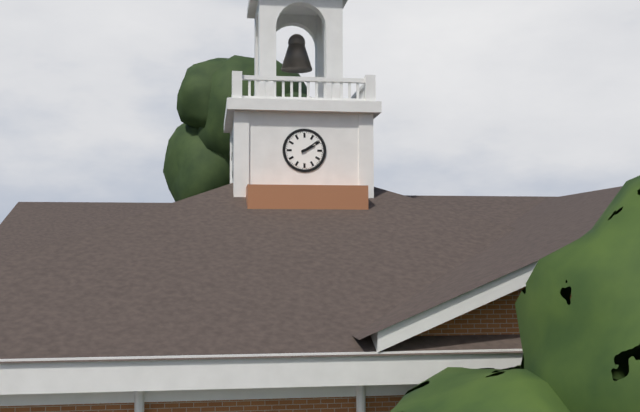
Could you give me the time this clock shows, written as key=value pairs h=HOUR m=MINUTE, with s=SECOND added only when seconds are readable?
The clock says h=2 m=9
